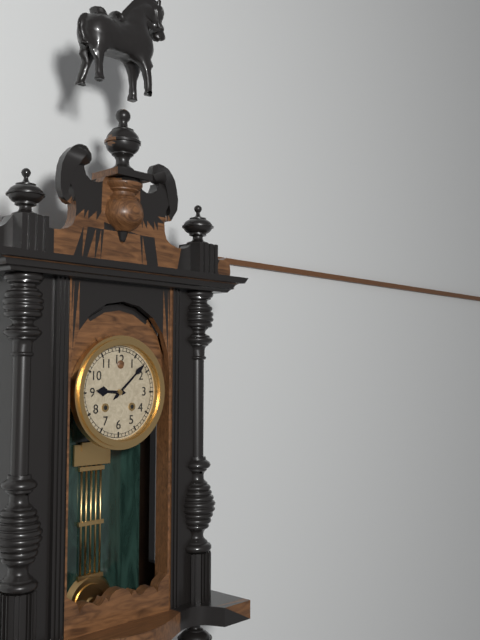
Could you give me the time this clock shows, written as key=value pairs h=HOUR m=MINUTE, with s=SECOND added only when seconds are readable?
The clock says h=9 m=8
